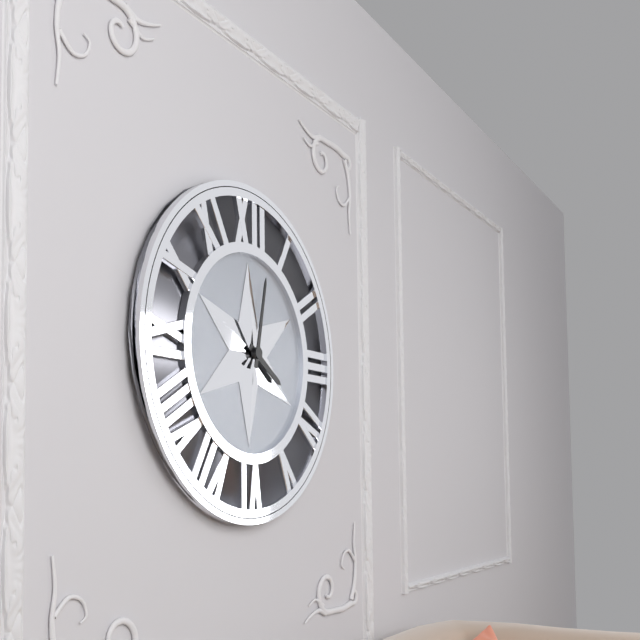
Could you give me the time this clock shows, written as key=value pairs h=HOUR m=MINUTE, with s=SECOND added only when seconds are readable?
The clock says h=4 m=2
